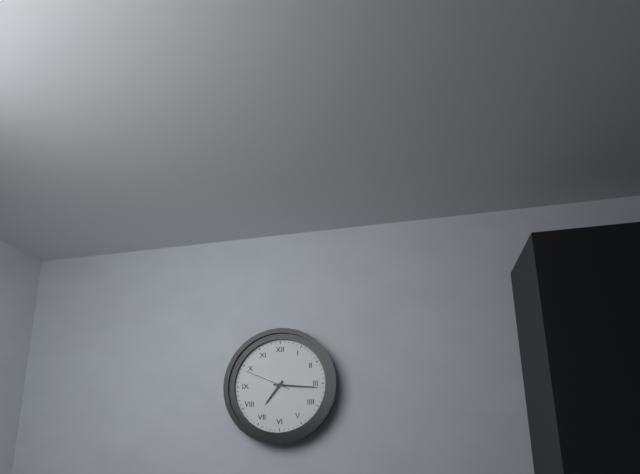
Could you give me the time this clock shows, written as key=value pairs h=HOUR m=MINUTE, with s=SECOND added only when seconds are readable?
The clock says h=7 m=16
